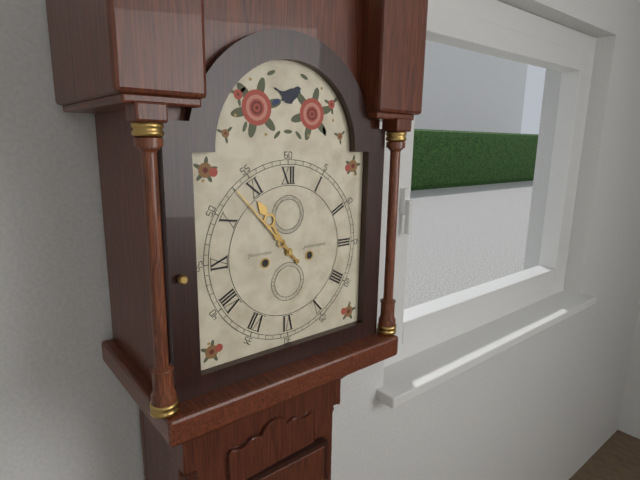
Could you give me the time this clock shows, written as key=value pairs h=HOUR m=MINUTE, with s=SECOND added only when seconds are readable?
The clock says h=10 m=53
